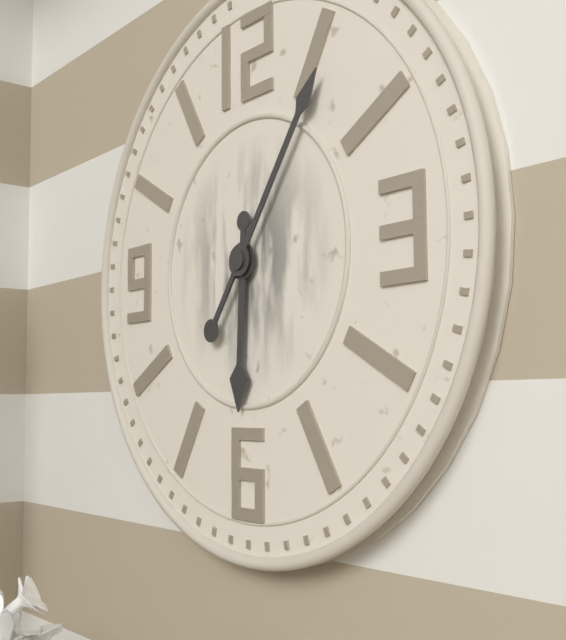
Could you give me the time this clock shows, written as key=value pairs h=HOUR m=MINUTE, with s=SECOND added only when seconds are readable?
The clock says h=6 m=6
